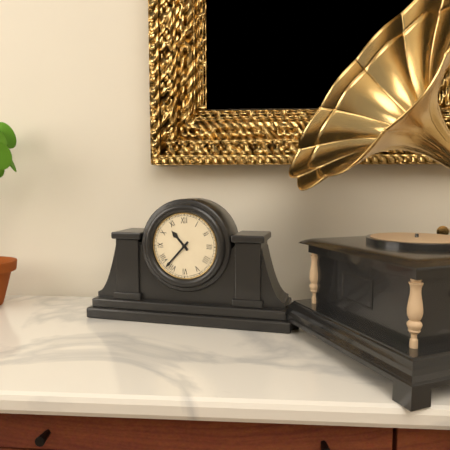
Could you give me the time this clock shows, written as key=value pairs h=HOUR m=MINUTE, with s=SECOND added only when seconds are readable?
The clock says h=10 m=37
